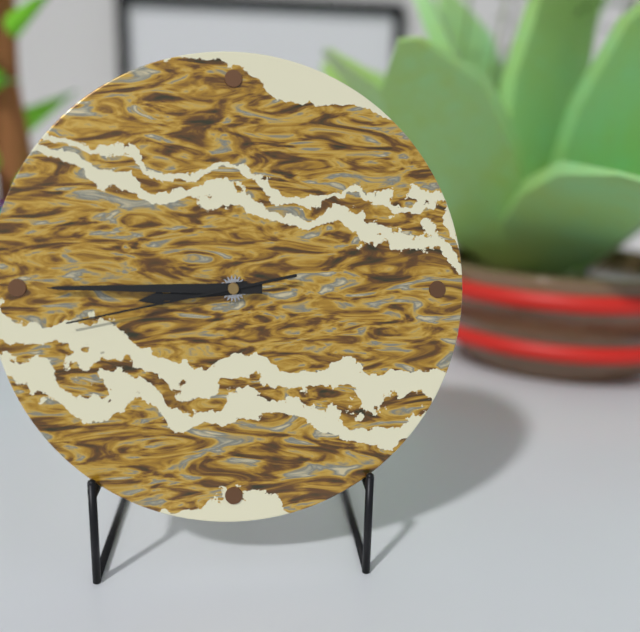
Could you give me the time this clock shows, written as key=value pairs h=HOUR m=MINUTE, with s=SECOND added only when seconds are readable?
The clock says h=8 m=45 s=43
